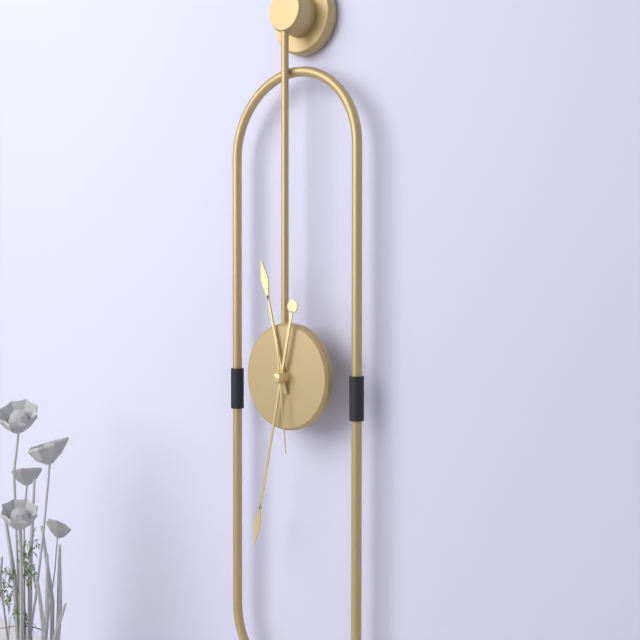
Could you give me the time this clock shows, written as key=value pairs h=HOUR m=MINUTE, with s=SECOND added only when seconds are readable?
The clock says h=11 m=32 s=29
